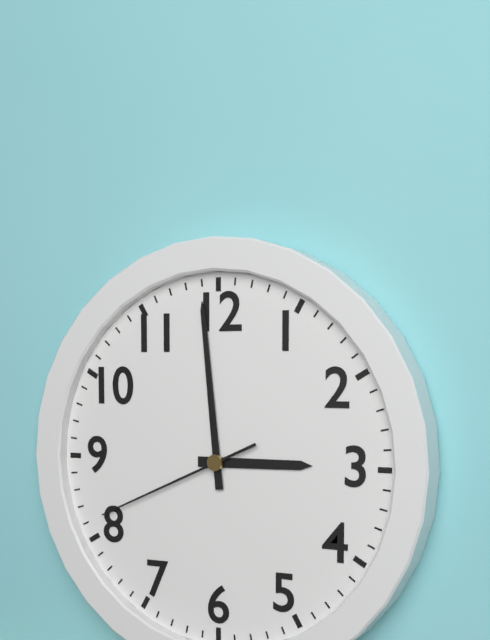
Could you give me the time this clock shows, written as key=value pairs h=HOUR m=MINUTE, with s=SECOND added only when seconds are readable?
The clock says h=2 m=59 s=41
